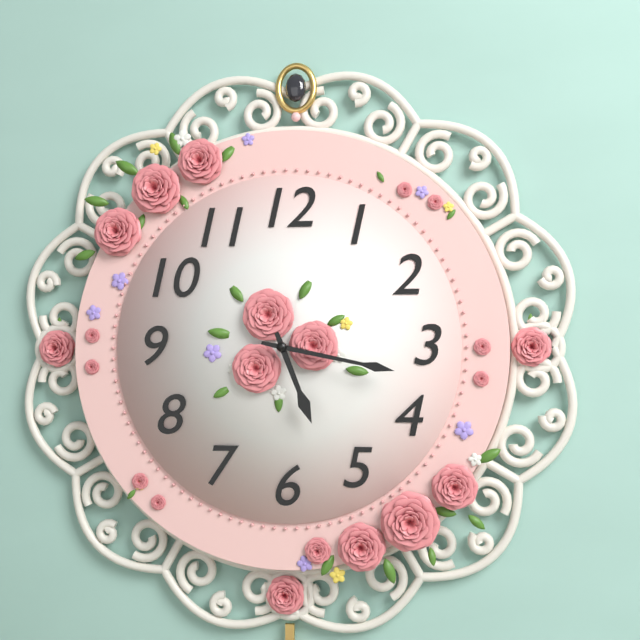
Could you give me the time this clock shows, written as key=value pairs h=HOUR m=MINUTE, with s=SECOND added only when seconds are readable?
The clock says h=5 m=17
